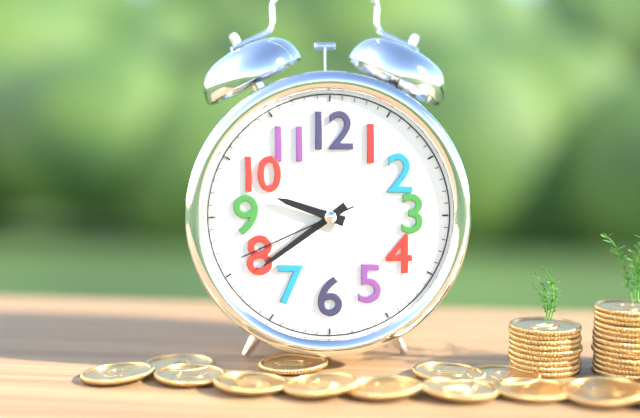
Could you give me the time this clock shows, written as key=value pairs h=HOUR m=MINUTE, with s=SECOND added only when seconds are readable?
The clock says h=9 m=39 s=41
